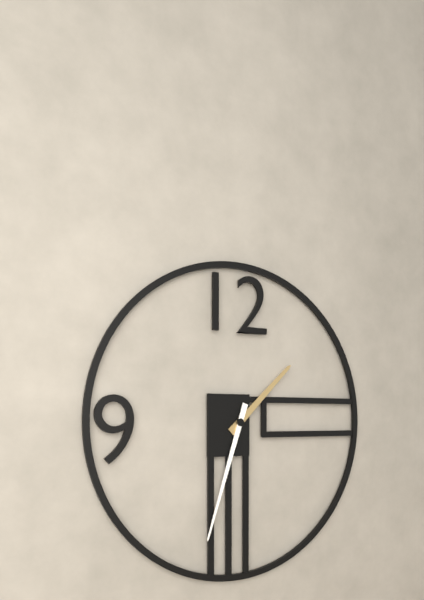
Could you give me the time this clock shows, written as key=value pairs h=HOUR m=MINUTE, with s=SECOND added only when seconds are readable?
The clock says h=1 m=33
